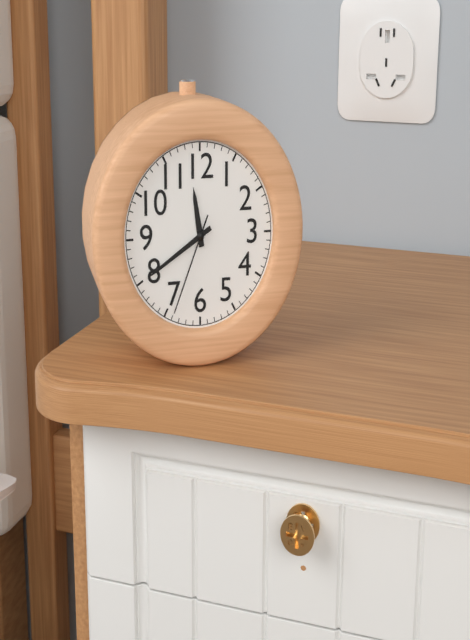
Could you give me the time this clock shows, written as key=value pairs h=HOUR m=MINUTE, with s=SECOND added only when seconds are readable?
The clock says h=11 m=40 s=34
